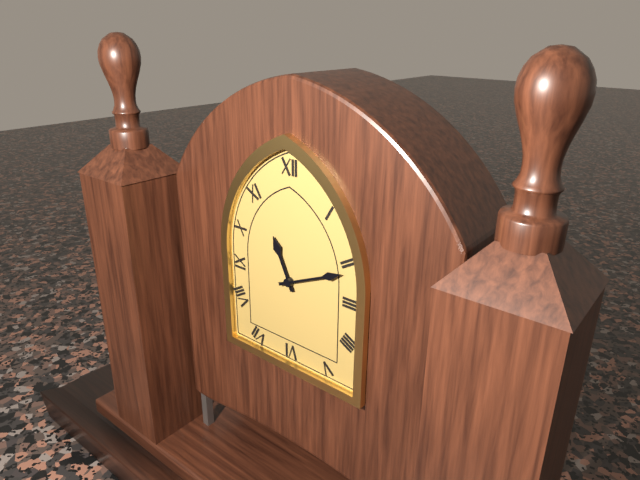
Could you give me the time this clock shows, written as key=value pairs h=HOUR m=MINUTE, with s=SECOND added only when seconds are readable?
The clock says h=11 m=11
